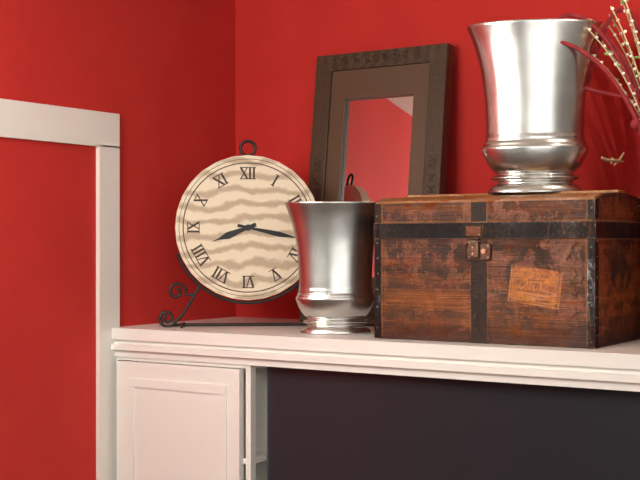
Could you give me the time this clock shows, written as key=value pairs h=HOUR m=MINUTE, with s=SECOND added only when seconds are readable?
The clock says h=8 m=17
